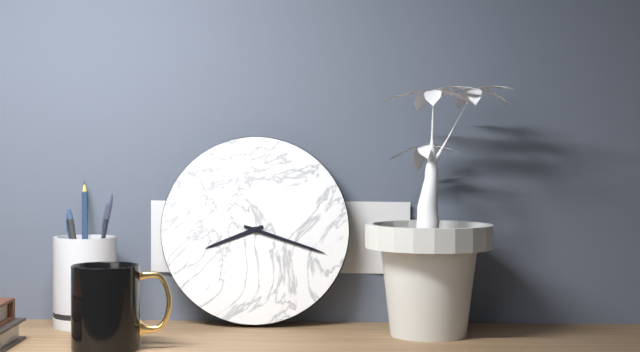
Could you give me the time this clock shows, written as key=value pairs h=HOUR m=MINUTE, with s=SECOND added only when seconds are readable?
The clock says h=8 m=18
